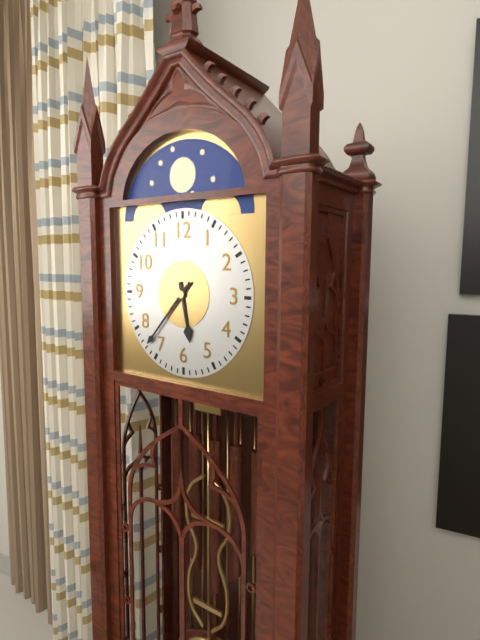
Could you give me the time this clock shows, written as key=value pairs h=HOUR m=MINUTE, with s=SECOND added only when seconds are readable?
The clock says h=5 m=37
